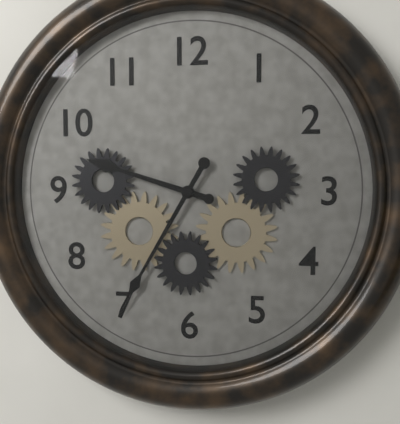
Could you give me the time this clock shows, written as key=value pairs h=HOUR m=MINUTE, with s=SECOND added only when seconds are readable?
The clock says h=9 m=35
